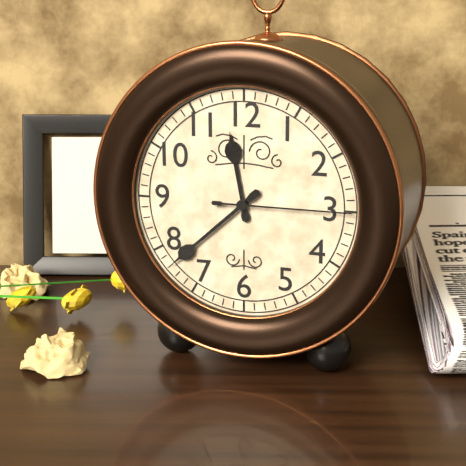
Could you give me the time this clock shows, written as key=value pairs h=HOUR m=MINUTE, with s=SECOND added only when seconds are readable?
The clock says h=11 m=38 s=15
